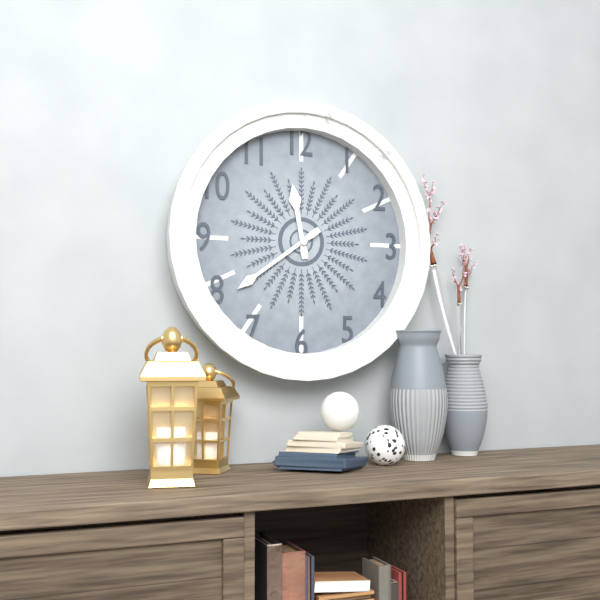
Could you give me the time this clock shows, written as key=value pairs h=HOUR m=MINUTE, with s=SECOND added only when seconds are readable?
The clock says h=11 m=39
